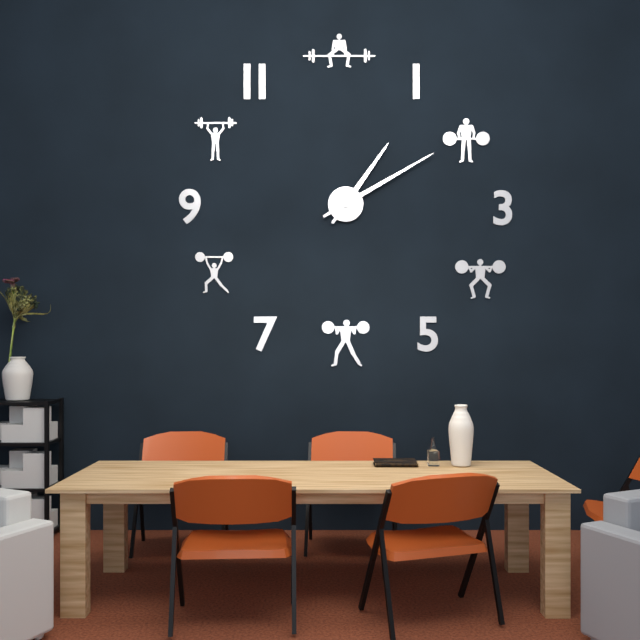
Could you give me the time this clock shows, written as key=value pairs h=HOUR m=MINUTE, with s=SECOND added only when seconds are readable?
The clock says h=1 m=10
